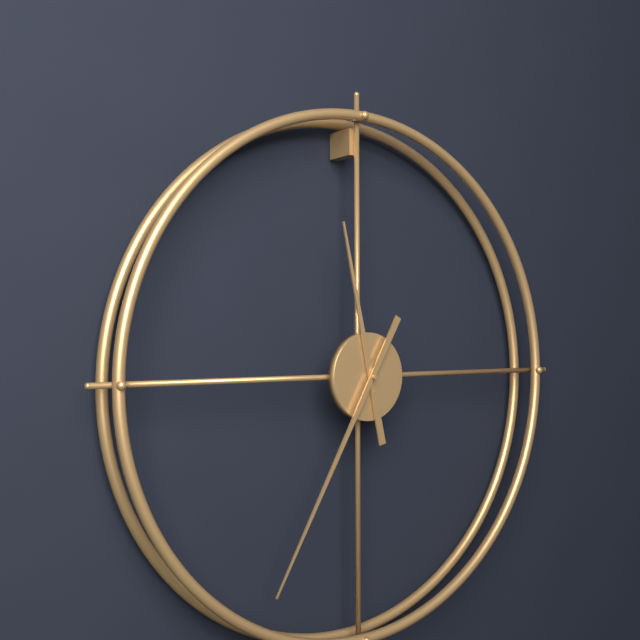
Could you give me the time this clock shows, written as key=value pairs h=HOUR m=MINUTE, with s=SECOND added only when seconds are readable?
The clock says h=11 m=35
